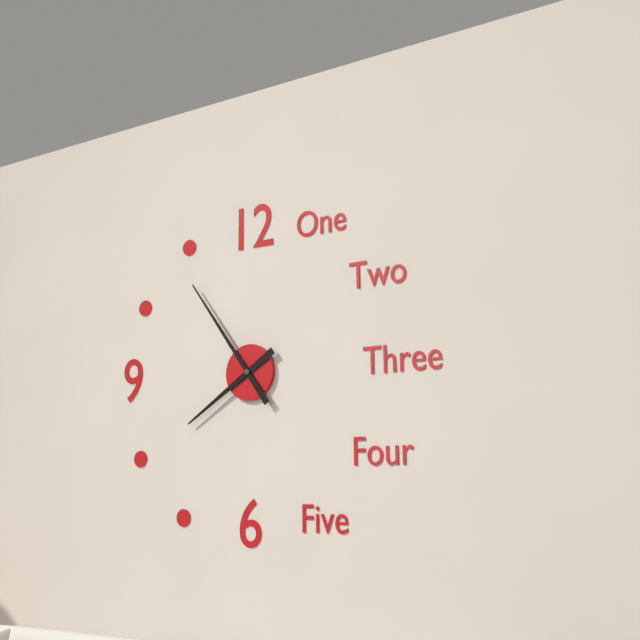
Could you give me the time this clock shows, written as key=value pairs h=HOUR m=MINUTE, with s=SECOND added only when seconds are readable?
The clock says h=7 m=54
